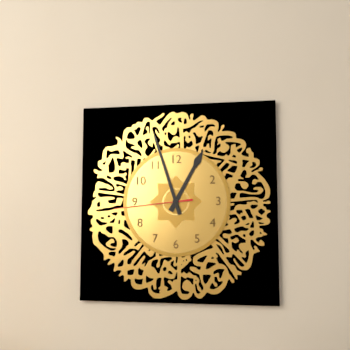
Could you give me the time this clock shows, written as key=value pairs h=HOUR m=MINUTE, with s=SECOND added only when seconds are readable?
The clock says h=12 m=57 s=44
